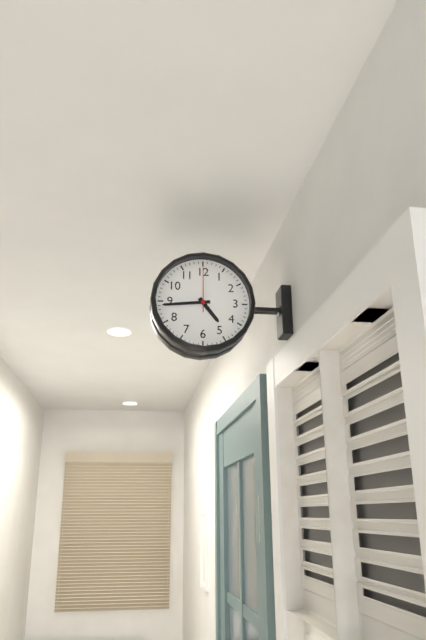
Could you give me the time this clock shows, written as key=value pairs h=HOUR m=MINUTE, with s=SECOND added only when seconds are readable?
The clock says h=4 m=44
